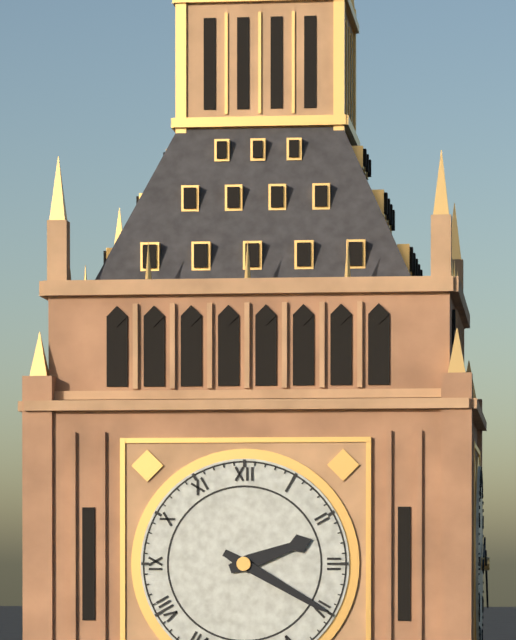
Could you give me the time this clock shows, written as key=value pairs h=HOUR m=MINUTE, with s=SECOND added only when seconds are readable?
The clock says h=2 m=20
